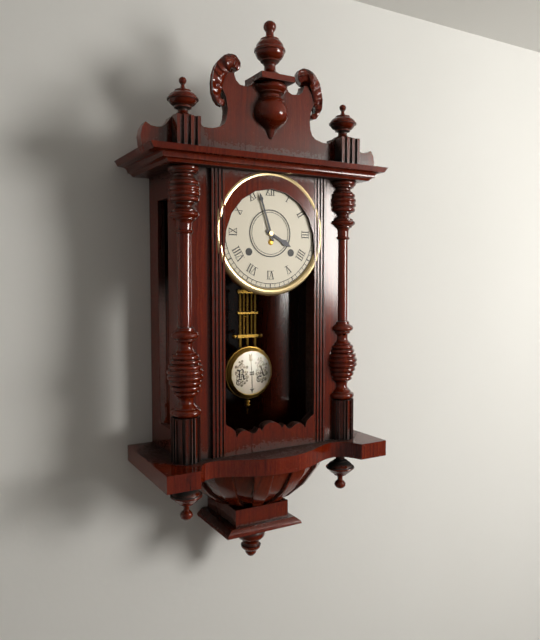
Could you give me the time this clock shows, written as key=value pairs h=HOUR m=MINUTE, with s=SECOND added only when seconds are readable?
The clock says h=3 m=57
